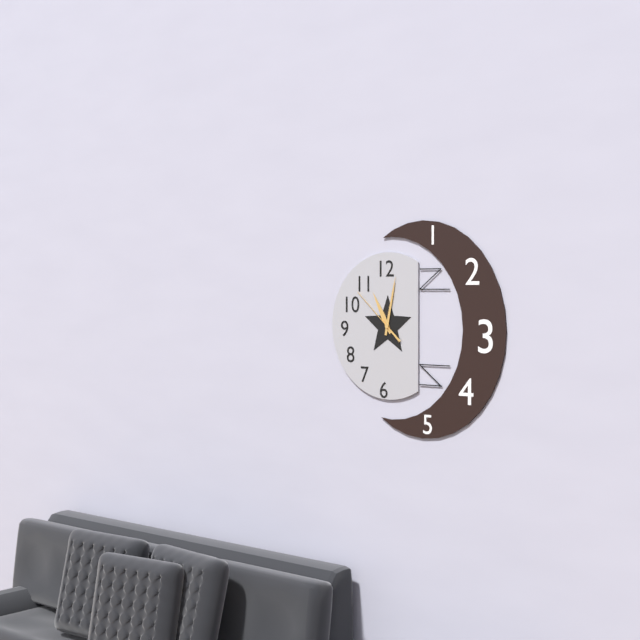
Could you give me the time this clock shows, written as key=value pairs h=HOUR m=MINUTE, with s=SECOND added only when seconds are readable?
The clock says h=11 m=2 s=52
